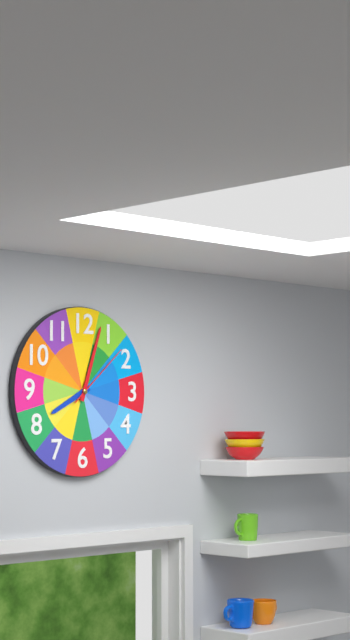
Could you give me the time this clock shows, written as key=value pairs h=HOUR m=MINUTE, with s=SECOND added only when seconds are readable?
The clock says h=8 m=3 s=8
